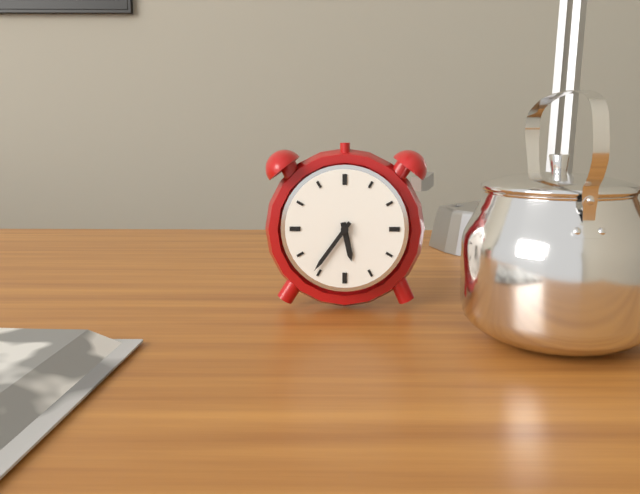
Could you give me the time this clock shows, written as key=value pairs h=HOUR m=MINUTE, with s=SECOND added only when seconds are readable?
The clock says h=5 m=36
